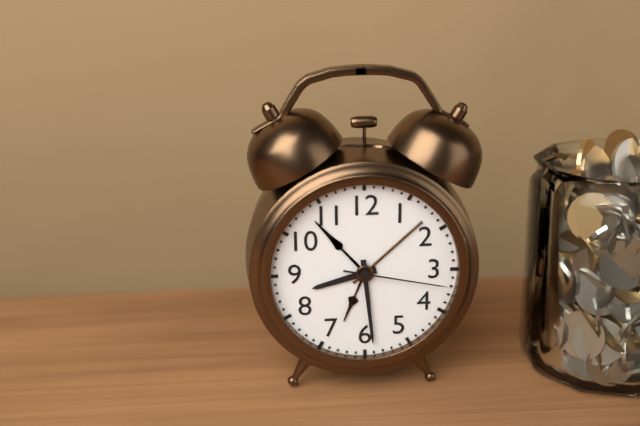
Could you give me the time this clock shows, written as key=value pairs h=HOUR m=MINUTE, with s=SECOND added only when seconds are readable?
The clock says h=8 m=29 s=17
